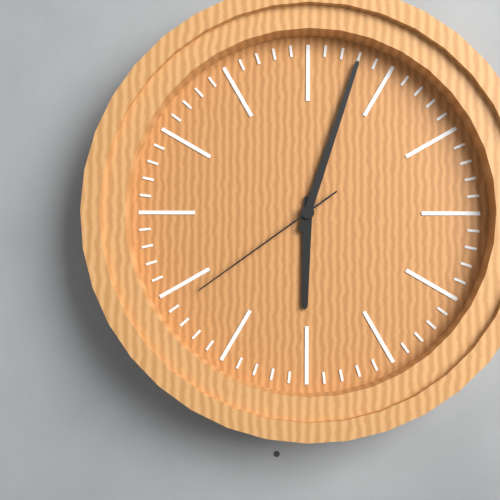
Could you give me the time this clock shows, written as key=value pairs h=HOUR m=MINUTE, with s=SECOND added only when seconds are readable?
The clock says h=6 m=3 s=39
